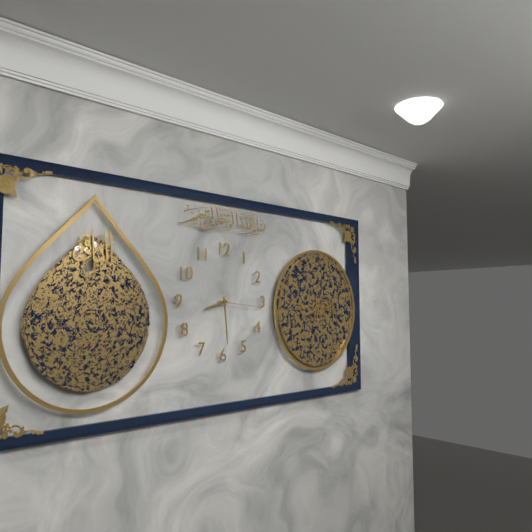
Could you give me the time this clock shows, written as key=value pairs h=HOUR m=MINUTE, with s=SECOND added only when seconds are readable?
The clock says h=8 m=29
